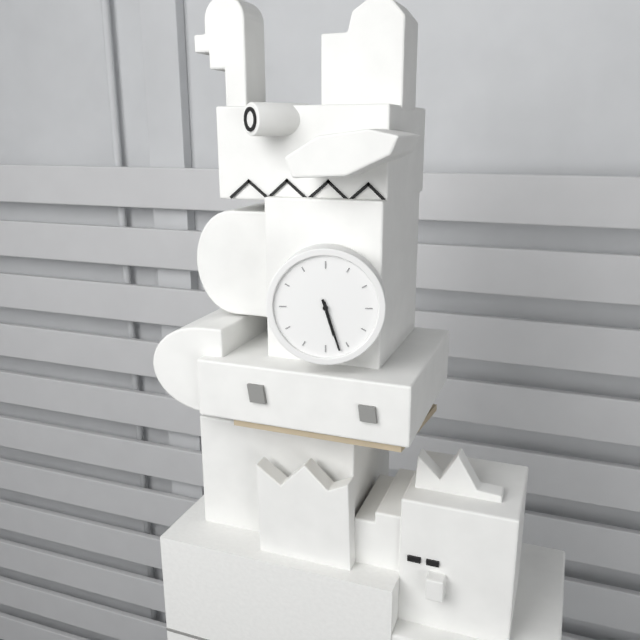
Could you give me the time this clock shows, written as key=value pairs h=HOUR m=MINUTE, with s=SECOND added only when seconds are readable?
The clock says h=5 m=27
